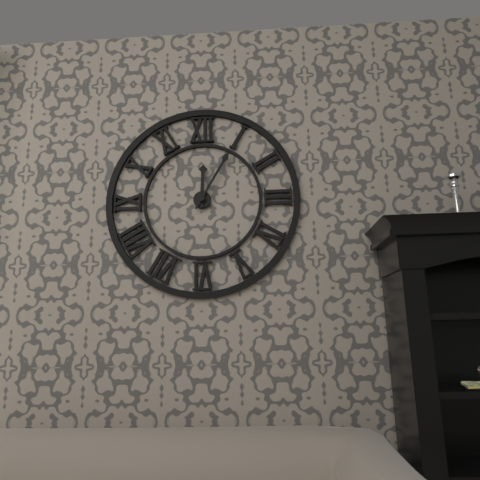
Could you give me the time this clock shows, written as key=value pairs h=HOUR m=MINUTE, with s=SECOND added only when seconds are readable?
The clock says h=12 m=5
